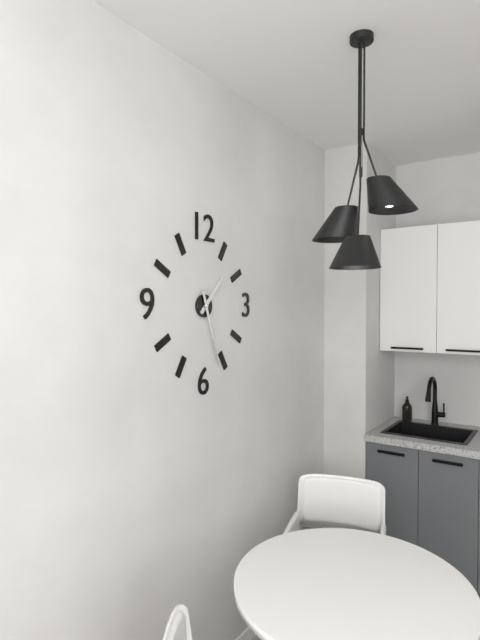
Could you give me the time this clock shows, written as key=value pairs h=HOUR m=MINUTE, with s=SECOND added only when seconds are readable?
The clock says h=1 m=27
